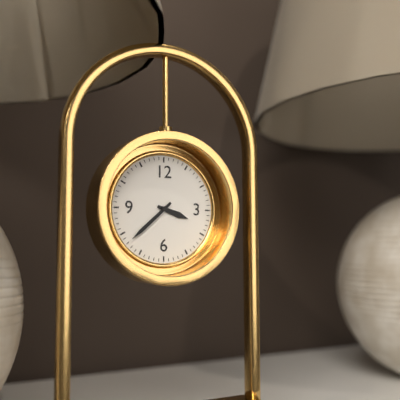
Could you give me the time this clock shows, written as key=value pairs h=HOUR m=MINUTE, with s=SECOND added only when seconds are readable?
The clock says h=3 m=38
